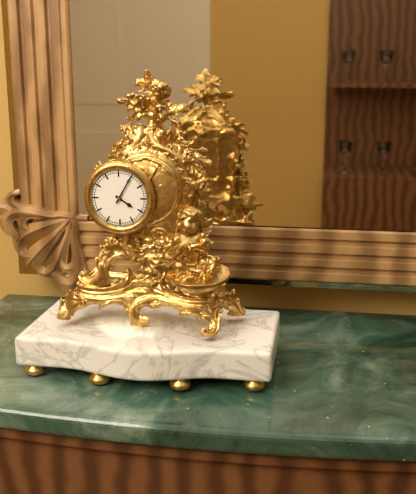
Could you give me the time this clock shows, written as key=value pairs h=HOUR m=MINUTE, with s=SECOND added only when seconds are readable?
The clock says h=4 m=5
